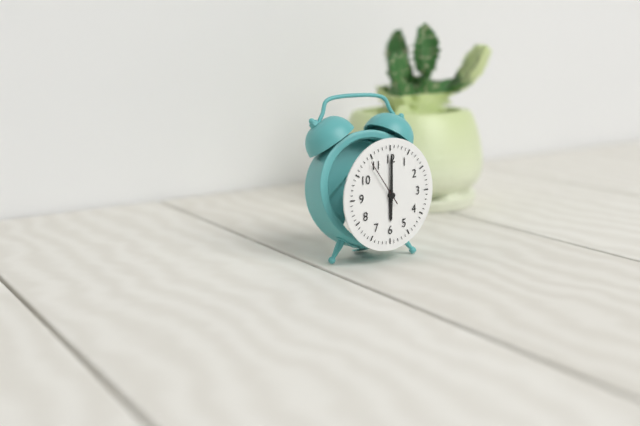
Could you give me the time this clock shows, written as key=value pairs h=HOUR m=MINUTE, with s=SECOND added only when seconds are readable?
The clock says h=6 m=0
